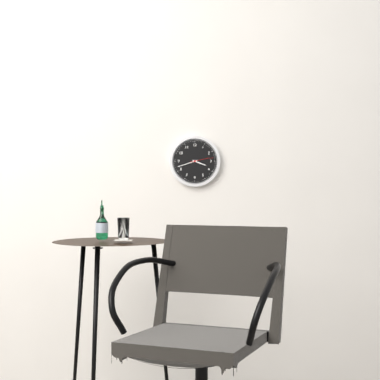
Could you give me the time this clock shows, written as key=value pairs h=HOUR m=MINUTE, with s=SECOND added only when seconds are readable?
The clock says h=3 m=42
